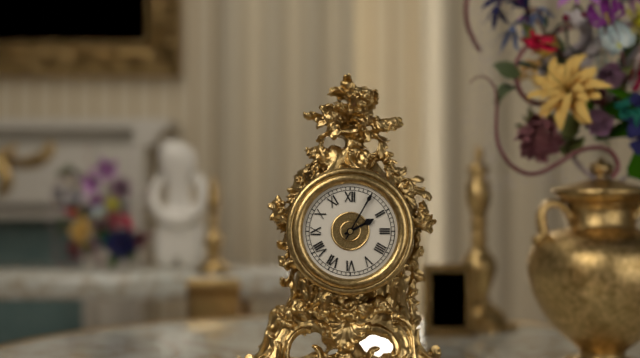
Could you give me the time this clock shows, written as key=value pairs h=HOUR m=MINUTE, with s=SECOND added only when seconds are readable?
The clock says h=2 m=5
